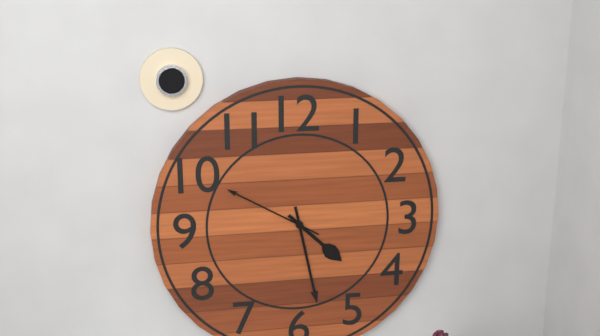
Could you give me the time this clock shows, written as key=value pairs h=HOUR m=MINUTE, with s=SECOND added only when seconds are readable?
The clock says h=4 m=28 s=50
